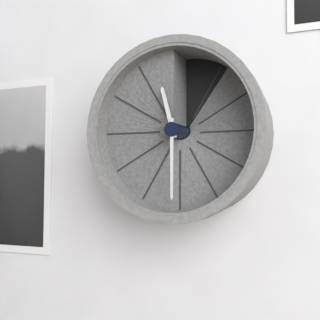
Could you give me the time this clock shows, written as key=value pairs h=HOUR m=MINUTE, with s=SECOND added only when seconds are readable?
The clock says h=11 m=30
